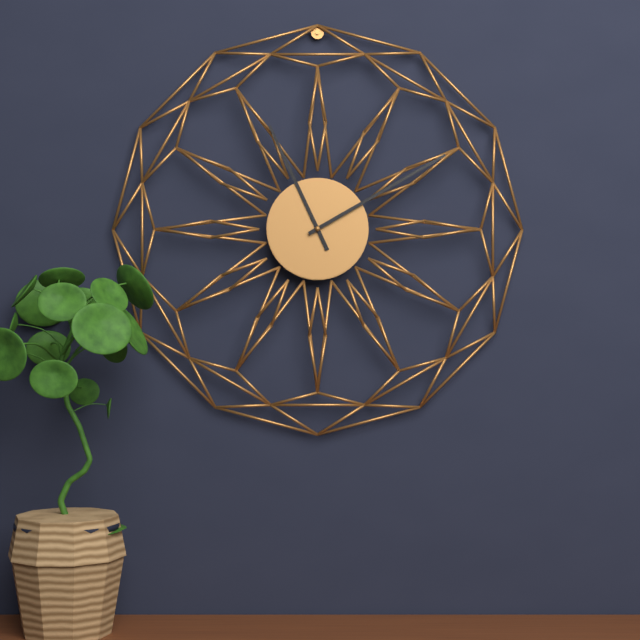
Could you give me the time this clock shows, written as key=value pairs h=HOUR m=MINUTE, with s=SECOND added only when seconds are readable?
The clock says h=11 m=10
